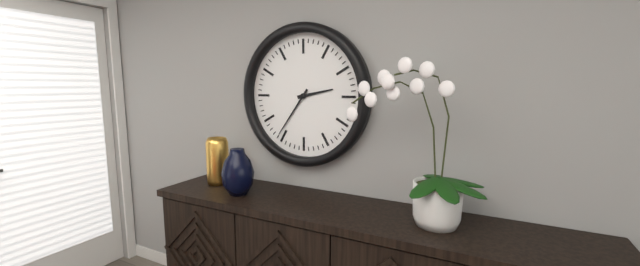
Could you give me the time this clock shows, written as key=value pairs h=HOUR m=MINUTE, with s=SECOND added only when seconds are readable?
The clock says h=2 m=36
